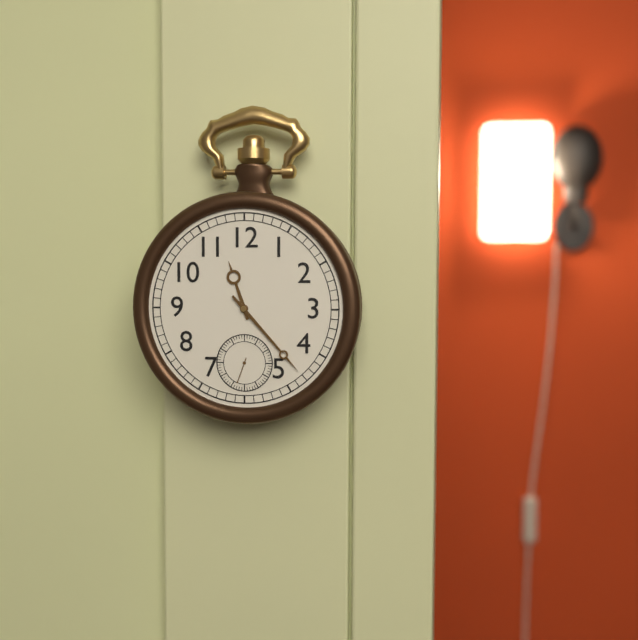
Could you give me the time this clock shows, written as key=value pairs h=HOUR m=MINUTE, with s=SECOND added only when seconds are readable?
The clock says h=11 m=23
